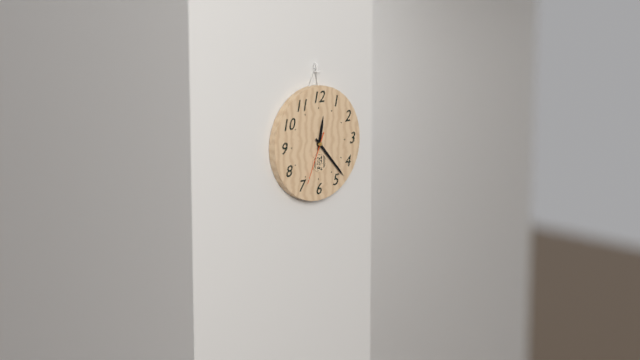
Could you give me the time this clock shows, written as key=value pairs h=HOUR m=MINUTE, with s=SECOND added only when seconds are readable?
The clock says h=12 m=23 s=34
